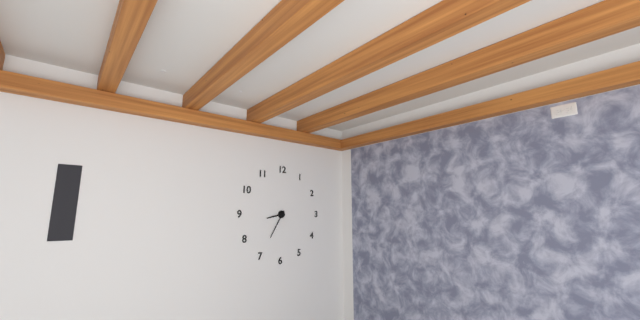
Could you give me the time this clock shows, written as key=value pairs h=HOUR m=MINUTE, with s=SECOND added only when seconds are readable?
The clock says h=8 m=35
